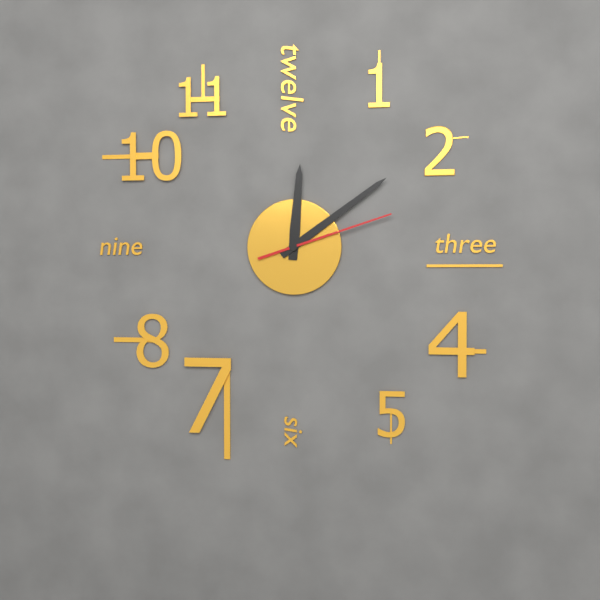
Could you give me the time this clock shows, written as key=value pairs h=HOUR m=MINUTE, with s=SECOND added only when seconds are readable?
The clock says h=12 m=9 s=12
